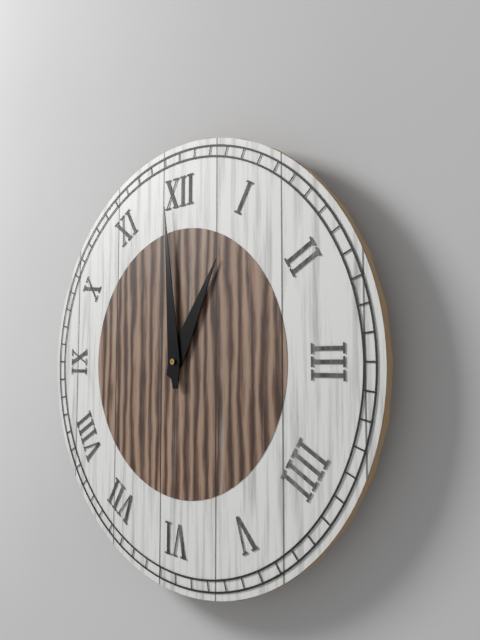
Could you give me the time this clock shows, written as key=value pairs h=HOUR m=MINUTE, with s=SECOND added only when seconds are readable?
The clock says h=12 m=59
